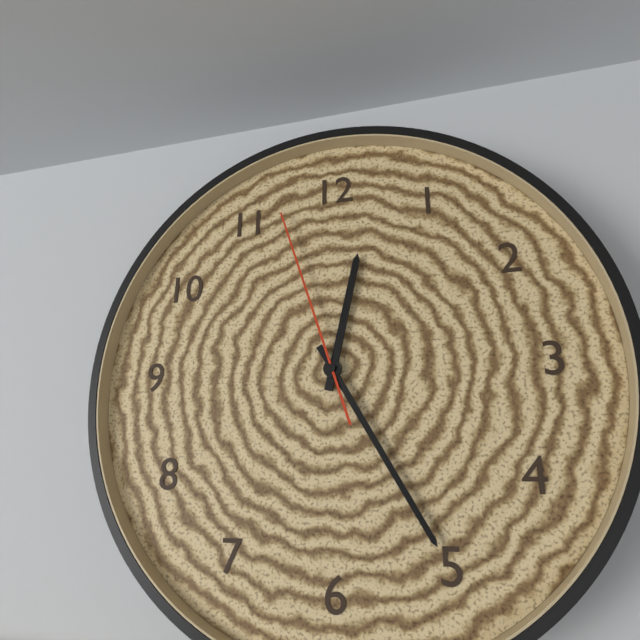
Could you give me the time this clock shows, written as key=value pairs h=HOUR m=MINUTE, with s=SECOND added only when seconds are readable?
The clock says h=12 m=25 s=57
